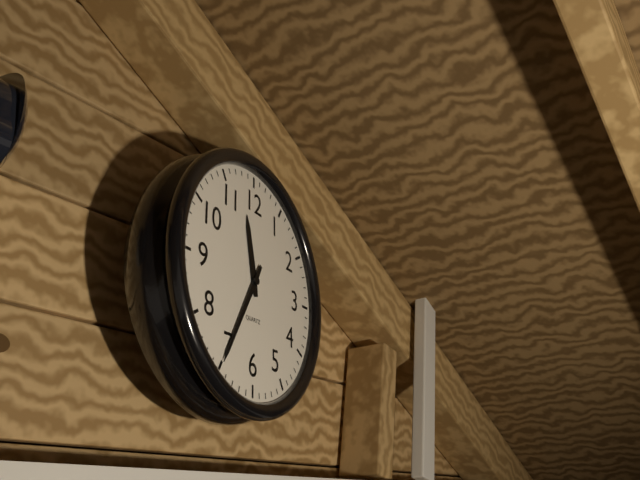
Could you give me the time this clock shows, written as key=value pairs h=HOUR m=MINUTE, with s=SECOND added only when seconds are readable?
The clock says h=11 m=35
